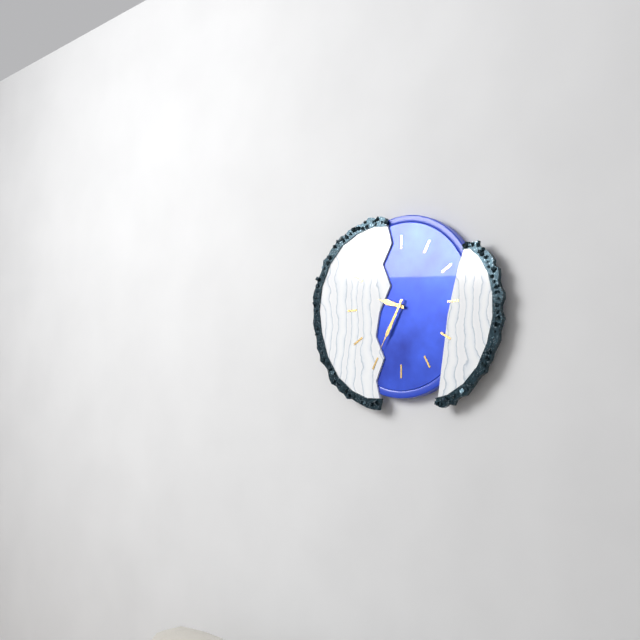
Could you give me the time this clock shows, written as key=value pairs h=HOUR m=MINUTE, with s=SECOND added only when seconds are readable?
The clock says h=9 m=35
